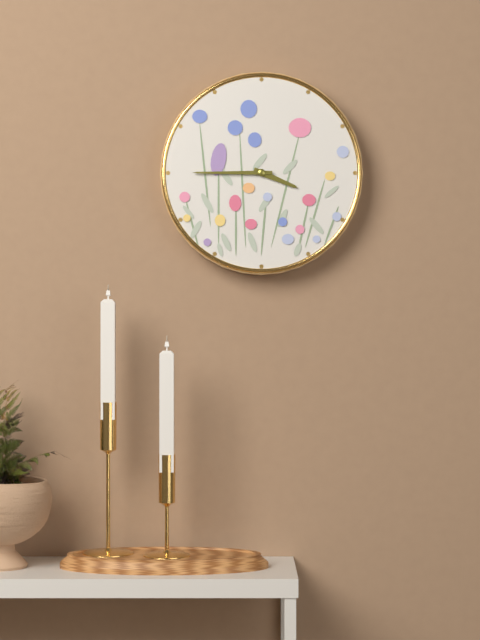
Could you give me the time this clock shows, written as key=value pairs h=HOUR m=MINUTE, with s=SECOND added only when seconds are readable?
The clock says h=3 m=45
